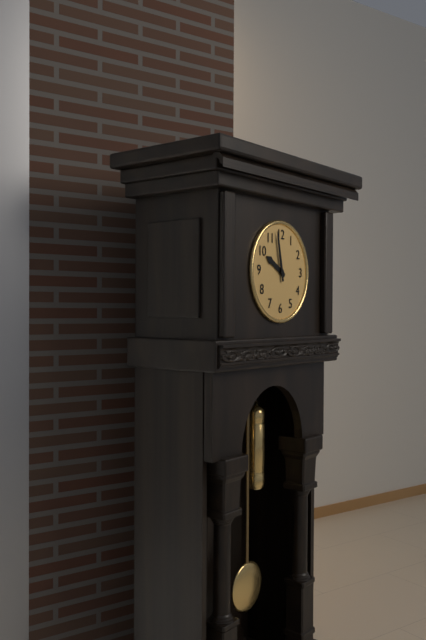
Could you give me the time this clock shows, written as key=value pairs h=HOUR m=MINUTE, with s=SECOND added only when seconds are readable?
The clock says h=9 m=58
